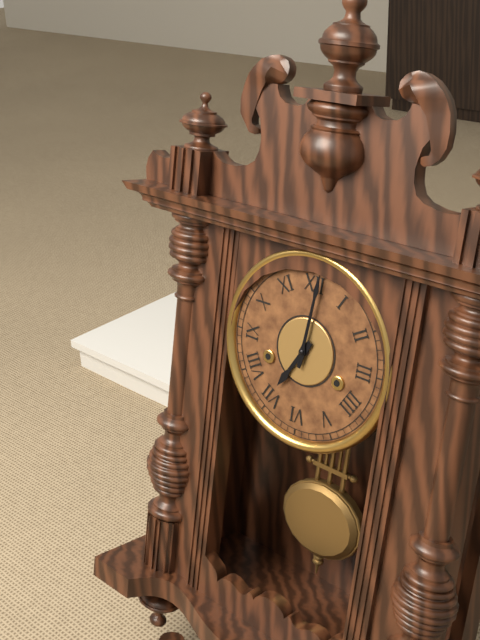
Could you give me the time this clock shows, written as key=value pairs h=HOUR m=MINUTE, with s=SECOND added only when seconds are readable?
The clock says h=7 m=1
